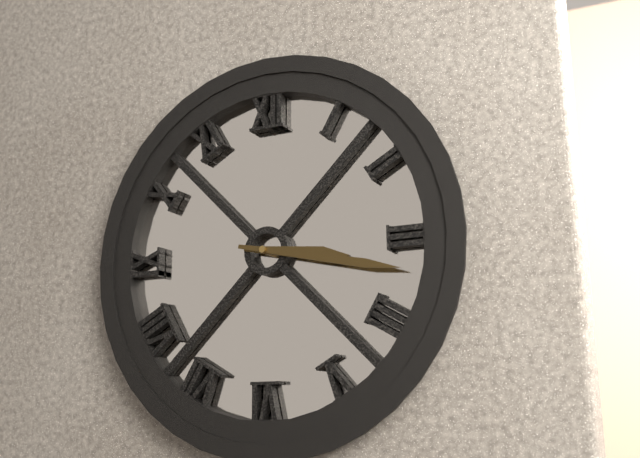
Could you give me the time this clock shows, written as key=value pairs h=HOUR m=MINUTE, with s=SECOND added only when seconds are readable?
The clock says h=3 m=17
